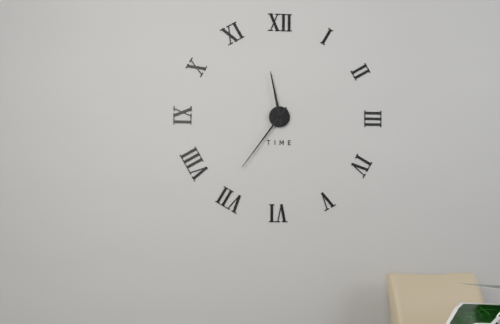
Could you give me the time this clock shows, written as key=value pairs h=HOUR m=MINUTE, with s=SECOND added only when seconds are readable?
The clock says h=11 m=36
